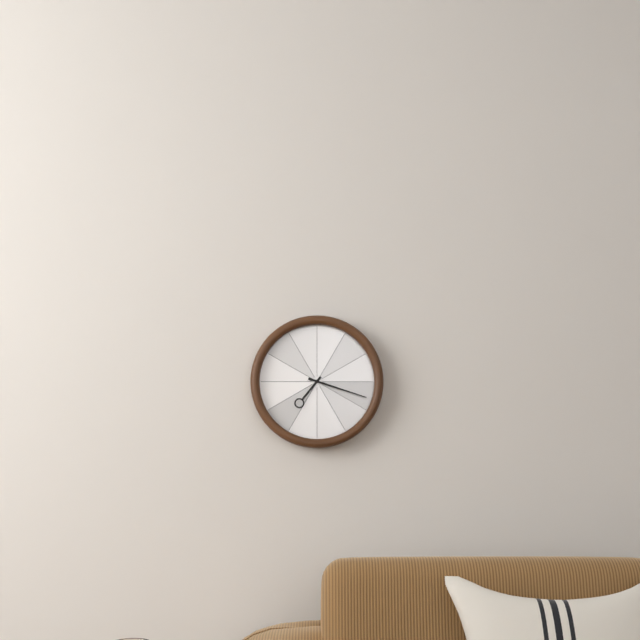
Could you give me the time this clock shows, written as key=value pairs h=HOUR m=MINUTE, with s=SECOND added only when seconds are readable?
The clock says h=7 m=18
